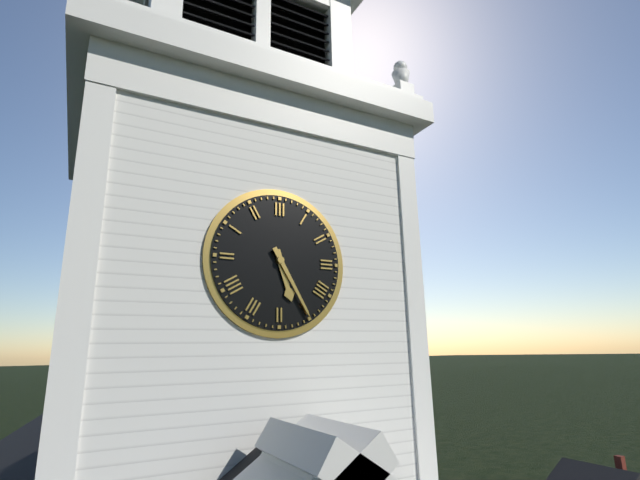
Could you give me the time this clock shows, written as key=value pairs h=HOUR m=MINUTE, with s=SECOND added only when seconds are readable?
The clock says h=5 m=25
